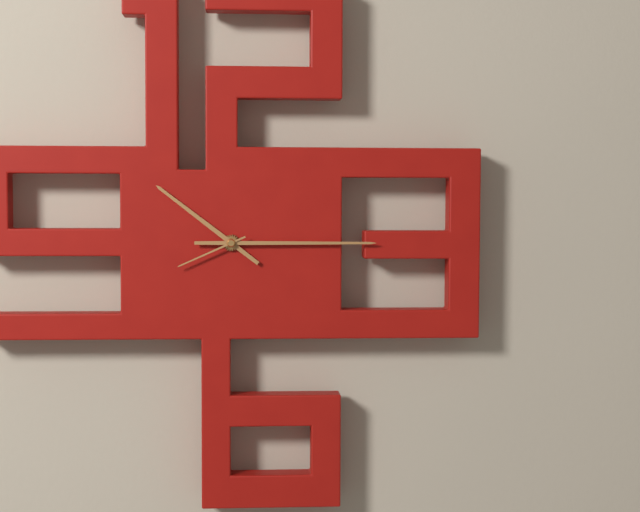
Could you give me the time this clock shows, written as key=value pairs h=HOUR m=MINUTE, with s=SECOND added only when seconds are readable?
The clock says h=10 m=15 s=41
